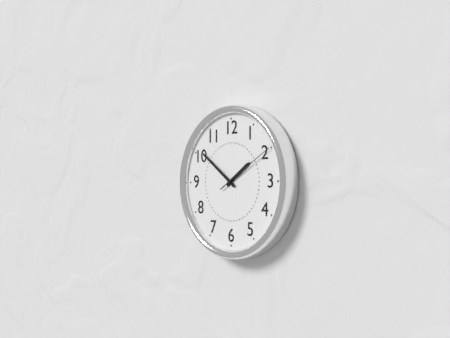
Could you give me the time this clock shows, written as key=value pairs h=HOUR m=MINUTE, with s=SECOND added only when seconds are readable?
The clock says h=1 m=51 s=10
